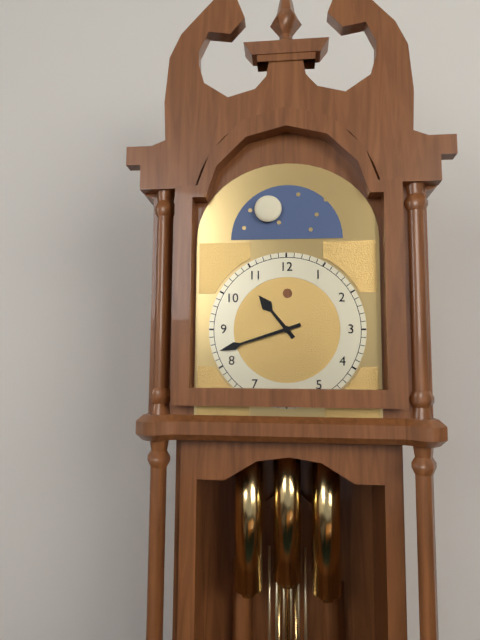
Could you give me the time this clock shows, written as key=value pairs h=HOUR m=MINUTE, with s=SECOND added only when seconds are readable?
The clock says h=10 m=42
